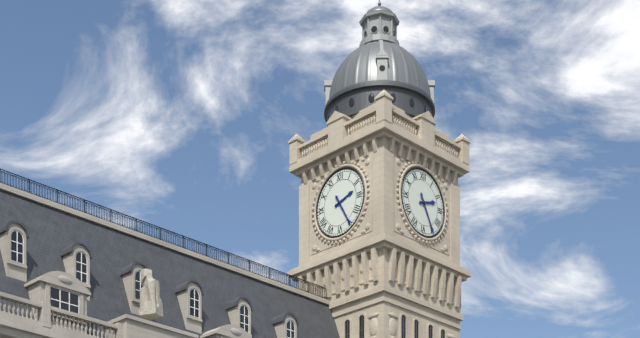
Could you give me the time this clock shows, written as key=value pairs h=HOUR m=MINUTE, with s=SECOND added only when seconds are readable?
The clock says h=2 m=25
